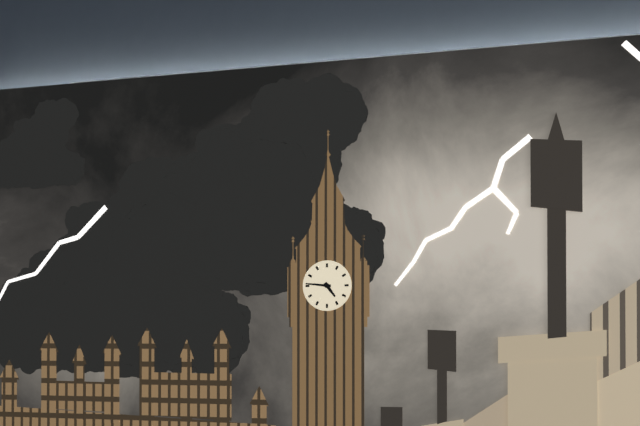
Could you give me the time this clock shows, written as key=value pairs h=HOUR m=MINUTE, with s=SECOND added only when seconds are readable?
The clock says h=4 m=46
